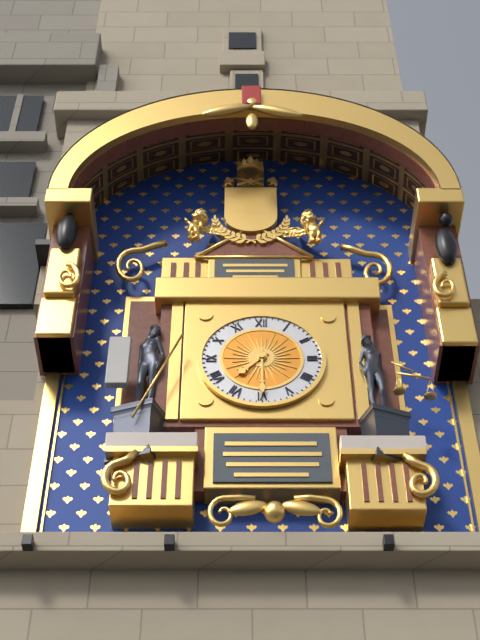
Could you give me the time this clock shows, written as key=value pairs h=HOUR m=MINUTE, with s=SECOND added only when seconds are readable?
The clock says h=7 m=30
